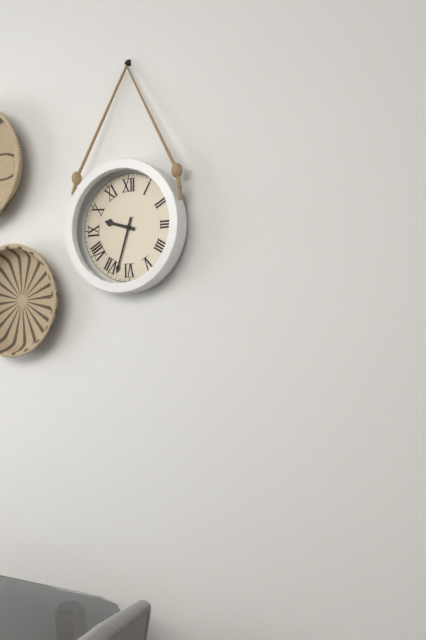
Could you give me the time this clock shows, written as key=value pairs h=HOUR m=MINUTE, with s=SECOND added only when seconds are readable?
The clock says h=9 m=33
